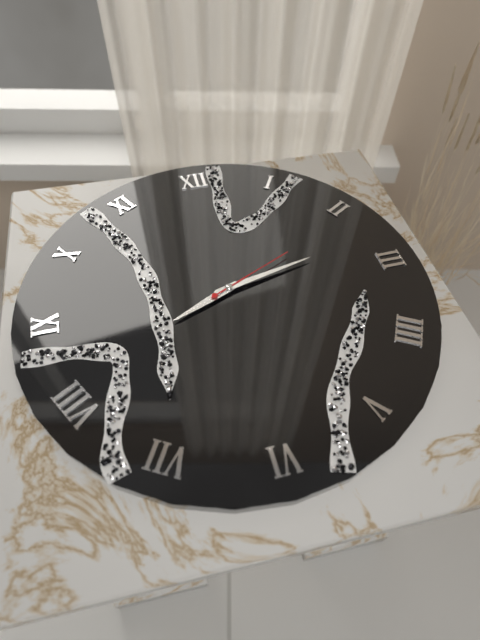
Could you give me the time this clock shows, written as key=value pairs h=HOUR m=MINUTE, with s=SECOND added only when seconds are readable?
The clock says h=8 m=13 s=11
